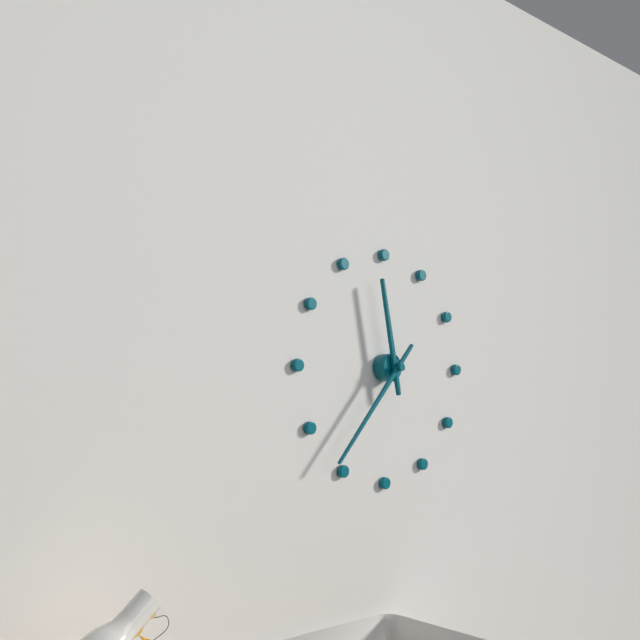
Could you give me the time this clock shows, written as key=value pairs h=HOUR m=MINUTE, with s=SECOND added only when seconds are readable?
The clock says h=11 m=37
